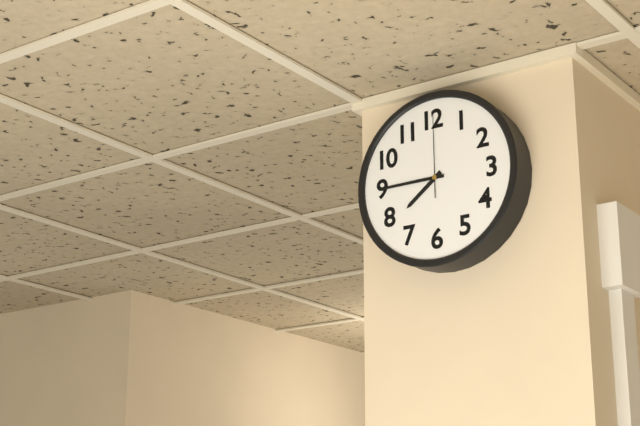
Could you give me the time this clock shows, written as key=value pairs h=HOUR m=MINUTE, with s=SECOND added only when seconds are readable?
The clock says h=7 m=45 s=0
